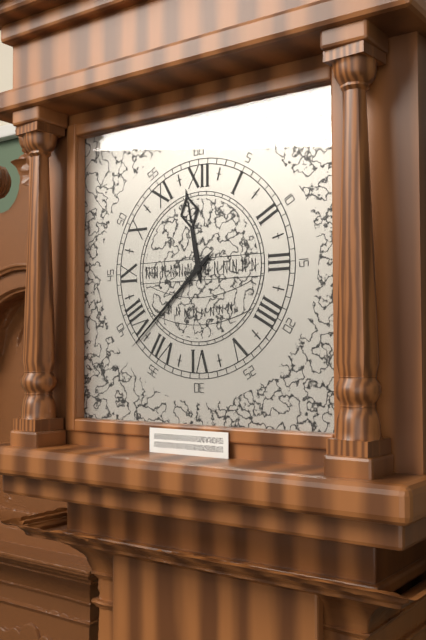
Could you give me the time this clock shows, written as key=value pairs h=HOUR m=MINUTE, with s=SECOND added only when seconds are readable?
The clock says h=11 m=38
